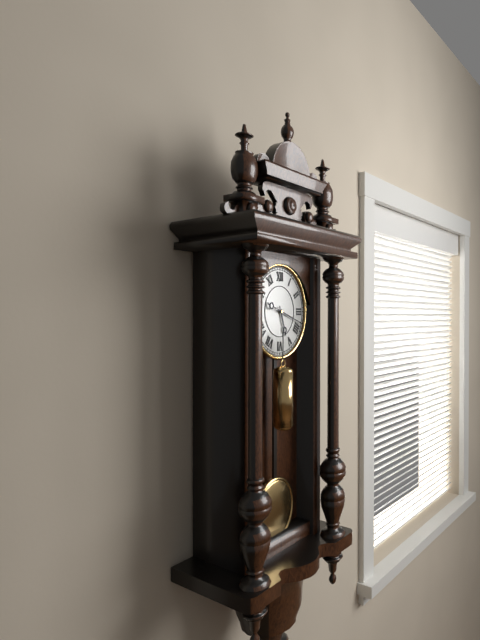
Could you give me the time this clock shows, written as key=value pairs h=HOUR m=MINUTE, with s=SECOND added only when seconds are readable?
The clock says h=5 m=18
